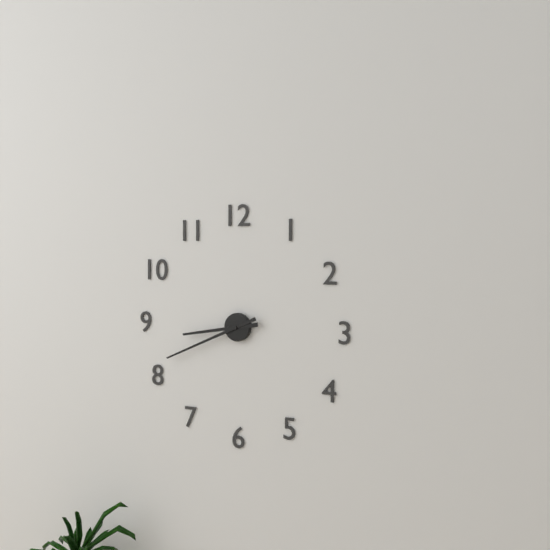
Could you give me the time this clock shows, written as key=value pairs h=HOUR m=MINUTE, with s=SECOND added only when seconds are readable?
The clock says h=8 m=41
